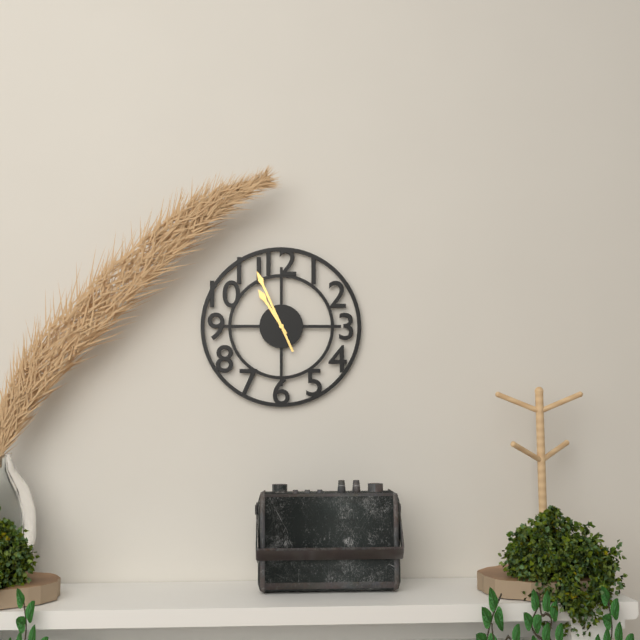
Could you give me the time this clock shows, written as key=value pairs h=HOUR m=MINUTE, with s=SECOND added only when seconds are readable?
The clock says h=10 m=56
